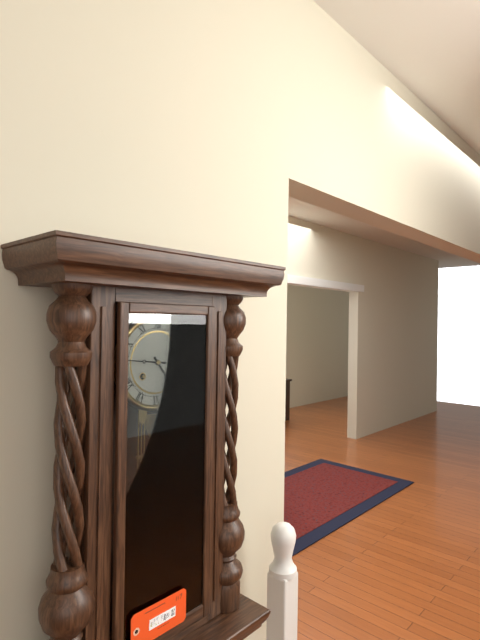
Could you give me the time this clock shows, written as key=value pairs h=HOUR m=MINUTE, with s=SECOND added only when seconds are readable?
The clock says h=4 m=46
